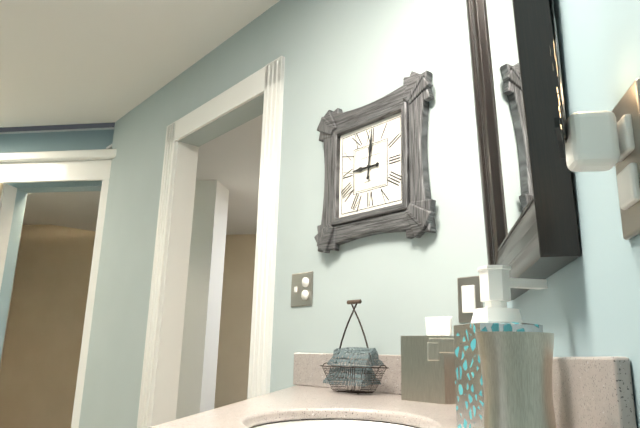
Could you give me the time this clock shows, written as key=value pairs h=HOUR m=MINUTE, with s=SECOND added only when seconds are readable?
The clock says h=9 m=1
